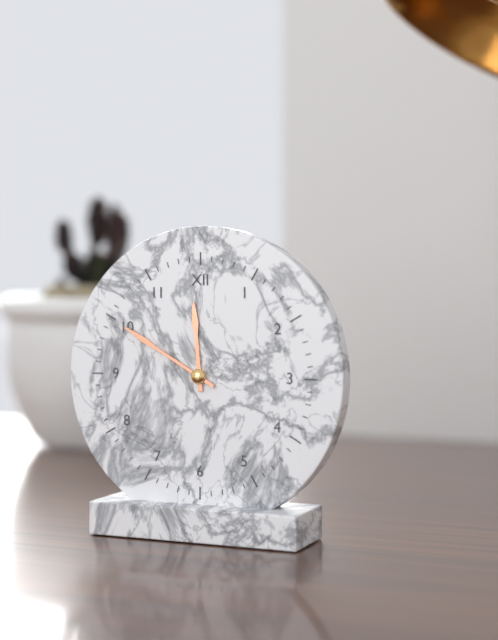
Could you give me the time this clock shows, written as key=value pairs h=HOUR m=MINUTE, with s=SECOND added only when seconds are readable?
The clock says h=11 m=50
